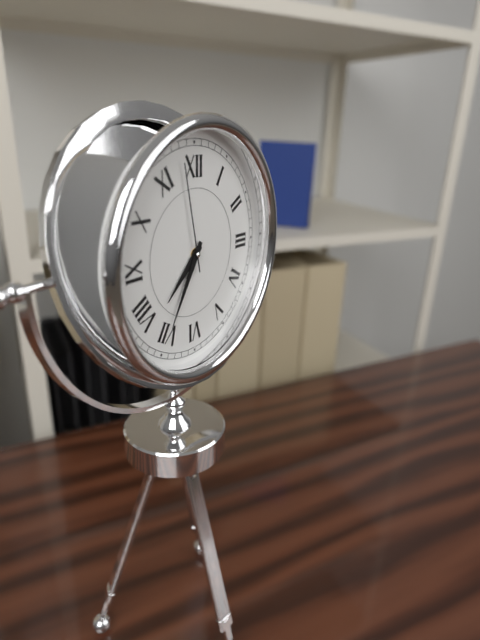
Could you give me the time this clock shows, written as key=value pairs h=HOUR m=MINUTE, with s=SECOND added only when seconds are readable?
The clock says h=7 m=35 s=58
